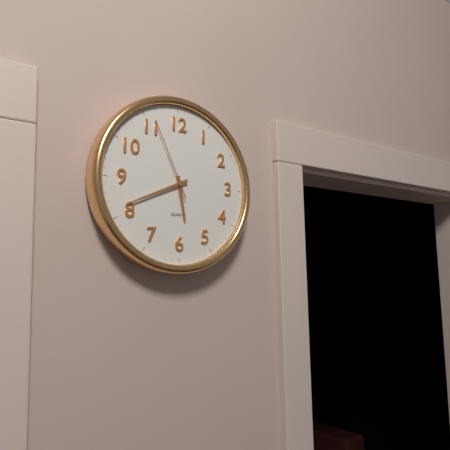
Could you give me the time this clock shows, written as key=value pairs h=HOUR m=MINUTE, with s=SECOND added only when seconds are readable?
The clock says h=5 m=41 s=56
